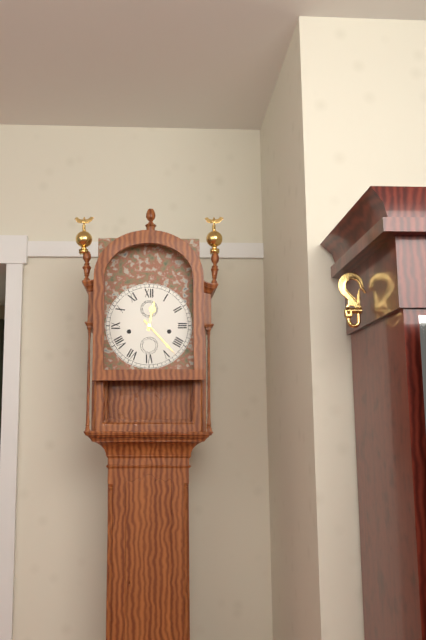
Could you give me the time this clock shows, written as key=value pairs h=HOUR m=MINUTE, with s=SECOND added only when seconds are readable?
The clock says h=12 m=23
